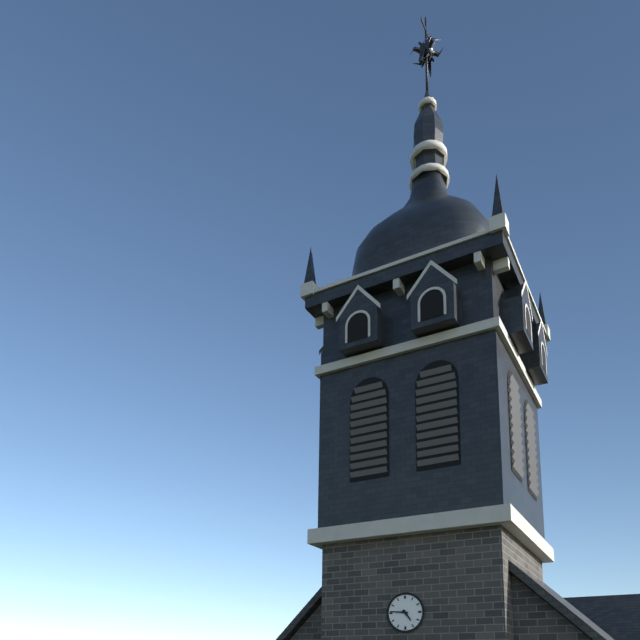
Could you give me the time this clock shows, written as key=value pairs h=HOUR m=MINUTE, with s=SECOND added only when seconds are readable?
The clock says h=4 m=46
